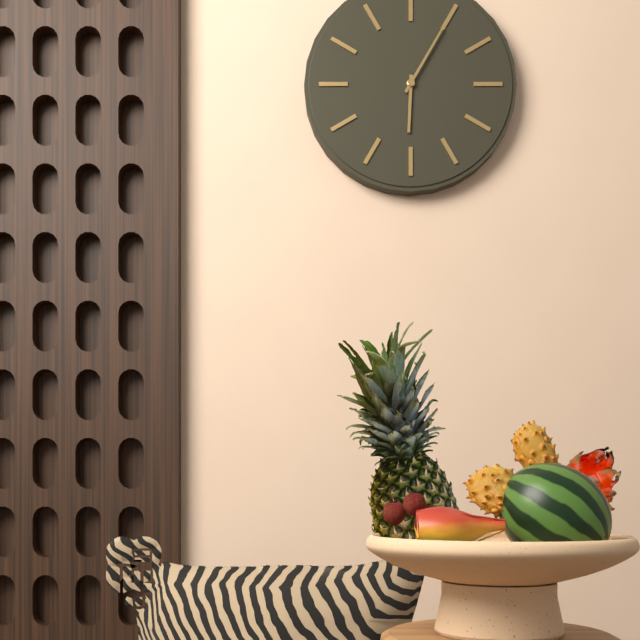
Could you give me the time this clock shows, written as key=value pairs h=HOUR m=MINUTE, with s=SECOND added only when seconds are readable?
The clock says h=6 m=5
